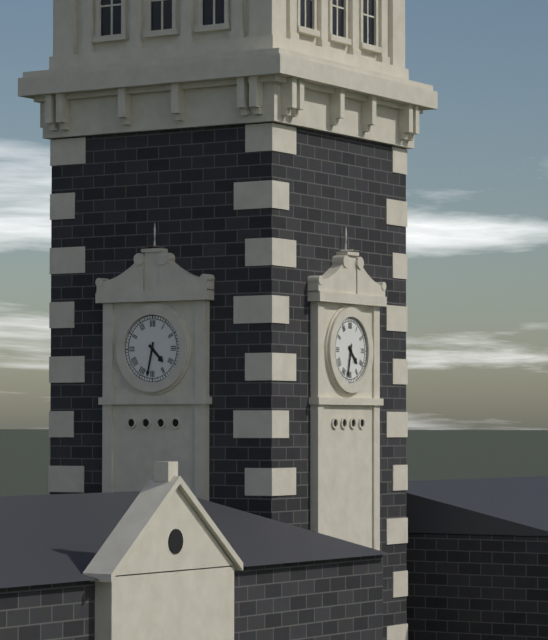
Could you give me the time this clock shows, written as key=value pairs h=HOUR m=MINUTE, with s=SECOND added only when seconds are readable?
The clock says h=4 m=32
